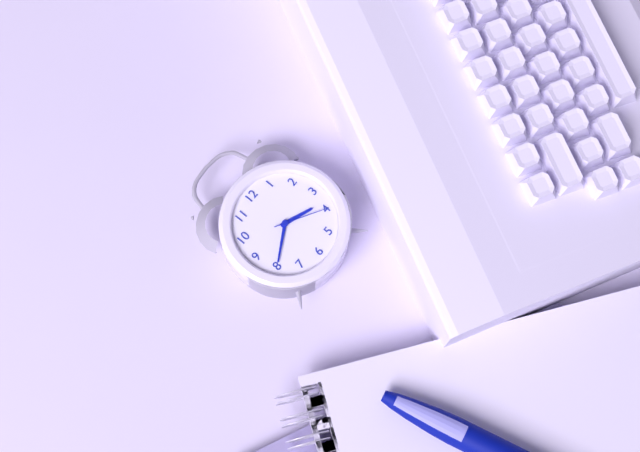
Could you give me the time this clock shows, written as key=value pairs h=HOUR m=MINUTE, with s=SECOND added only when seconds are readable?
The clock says h=3 m=40 s=20
